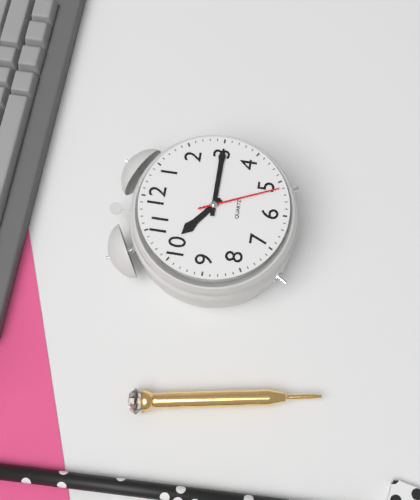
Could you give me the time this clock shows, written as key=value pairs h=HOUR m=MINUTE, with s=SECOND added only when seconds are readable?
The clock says h=10 m=15 s=26
